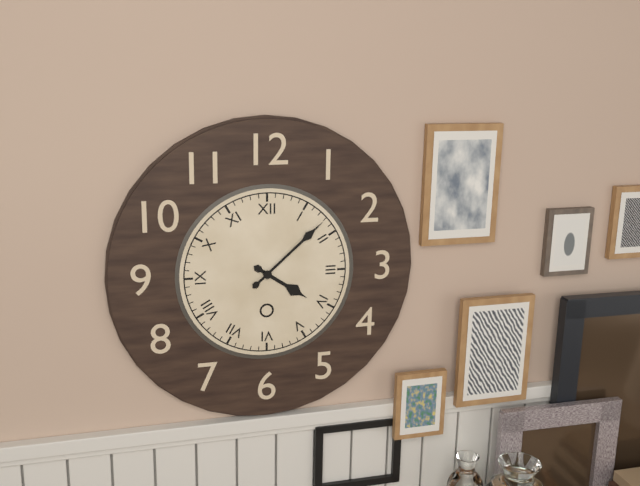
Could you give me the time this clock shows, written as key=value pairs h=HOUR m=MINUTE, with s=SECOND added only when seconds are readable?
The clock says h=4 m=8
